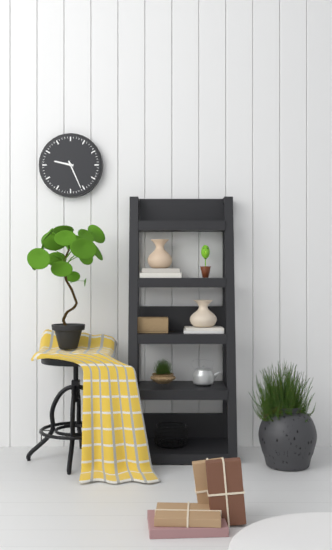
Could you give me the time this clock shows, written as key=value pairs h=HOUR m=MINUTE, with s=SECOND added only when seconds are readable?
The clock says h=9 m=26
